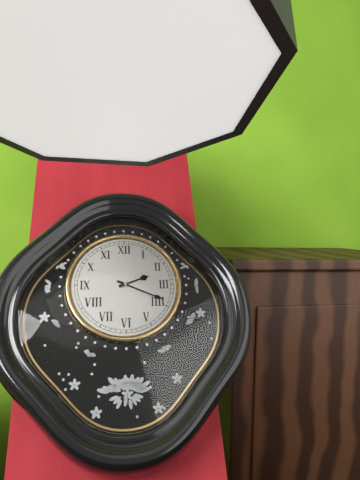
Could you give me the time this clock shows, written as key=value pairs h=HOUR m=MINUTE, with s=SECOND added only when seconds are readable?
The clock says h=2 m=19
